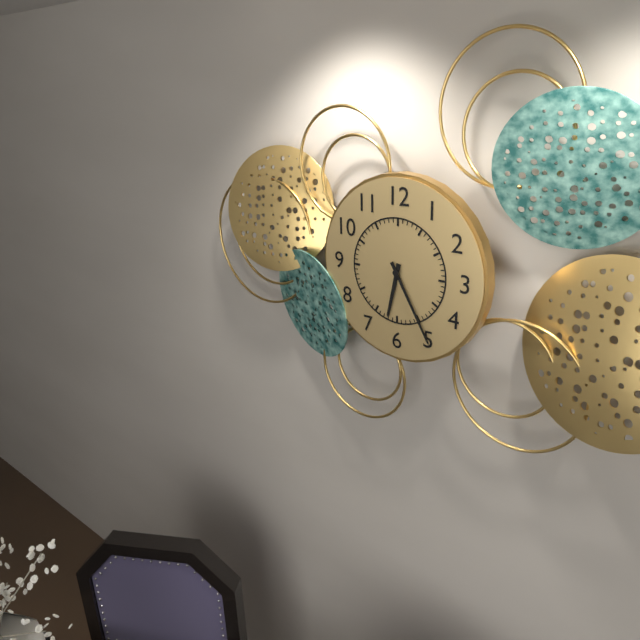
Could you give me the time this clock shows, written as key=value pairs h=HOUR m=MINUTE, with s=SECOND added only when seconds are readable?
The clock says h=6 m=25
